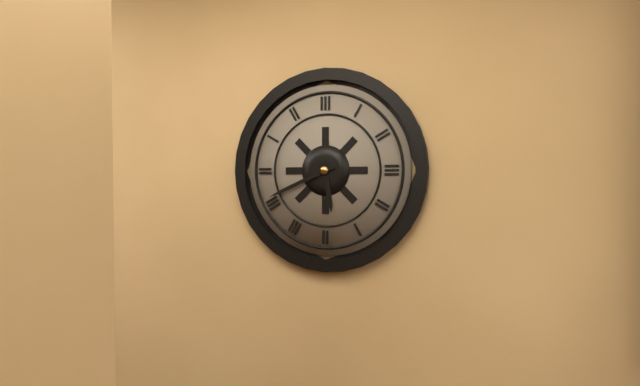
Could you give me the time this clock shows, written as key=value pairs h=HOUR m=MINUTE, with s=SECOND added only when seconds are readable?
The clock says h=5 m=41
